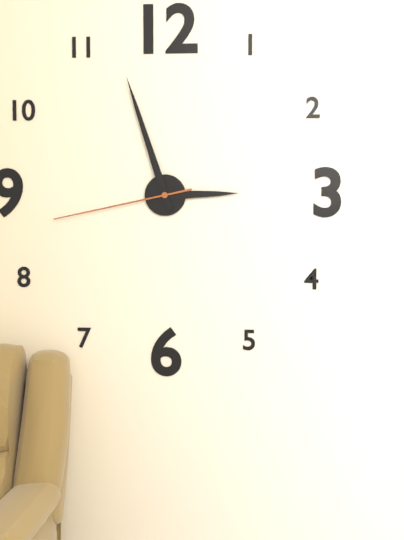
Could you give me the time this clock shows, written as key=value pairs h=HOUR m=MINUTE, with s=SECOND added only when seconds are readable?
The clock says h=2 m=57 s=43
